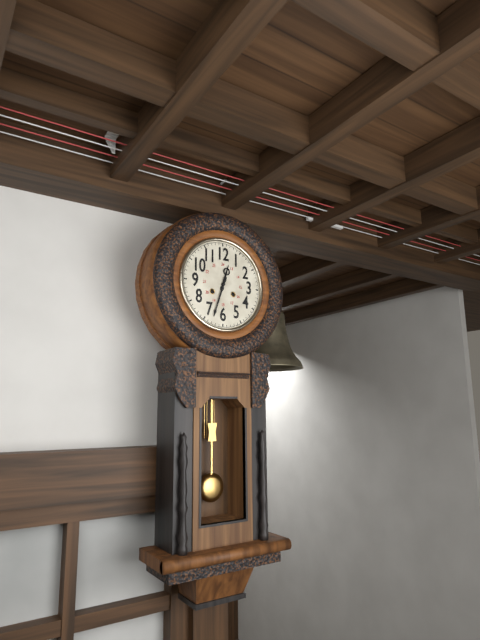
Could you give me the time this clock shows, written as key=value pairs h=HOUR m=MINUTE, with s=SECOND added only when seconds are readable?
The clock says h=12 m=33
